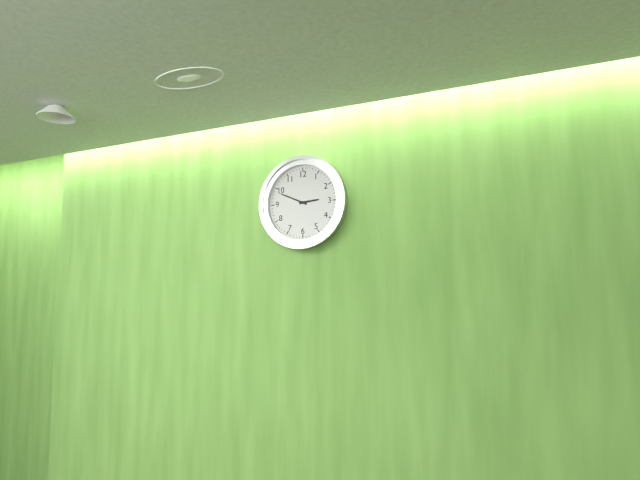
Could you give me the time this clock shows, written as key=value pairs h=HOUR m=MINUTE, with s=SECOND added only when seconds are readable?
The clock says h=2 m=49
